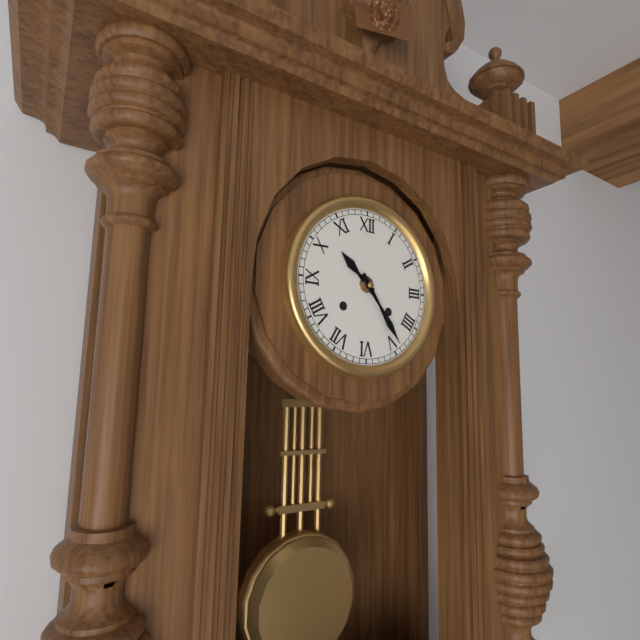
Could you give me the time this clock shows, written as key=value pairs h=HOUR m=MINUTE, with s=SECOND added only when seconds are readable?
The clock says h=10 m=24
